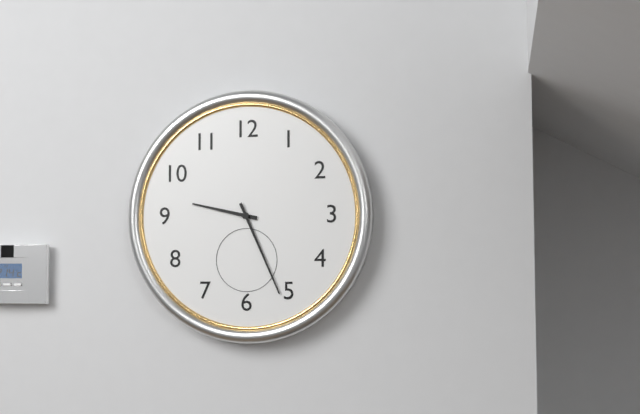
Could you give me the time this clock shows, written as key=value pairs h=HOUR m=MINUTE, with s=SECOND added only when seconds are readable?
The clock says h=9 m=26
